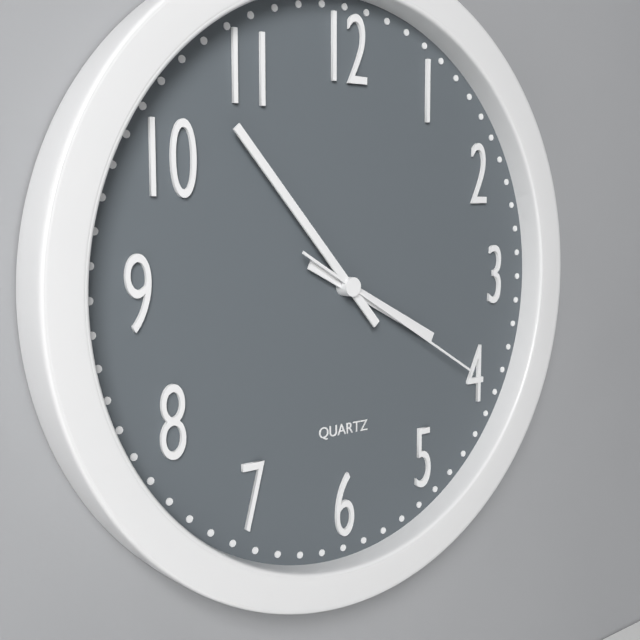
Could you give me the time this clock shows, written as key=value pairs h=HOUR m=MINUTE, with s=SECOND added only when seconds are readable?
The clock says h=3 m=53 s=20
